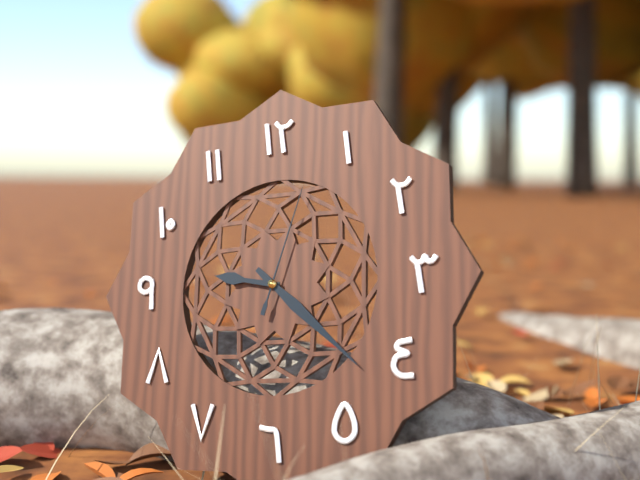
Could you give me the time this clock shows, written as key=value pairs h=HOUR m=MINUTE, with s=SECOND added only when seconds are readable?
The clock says h=9 m=22 s=3
